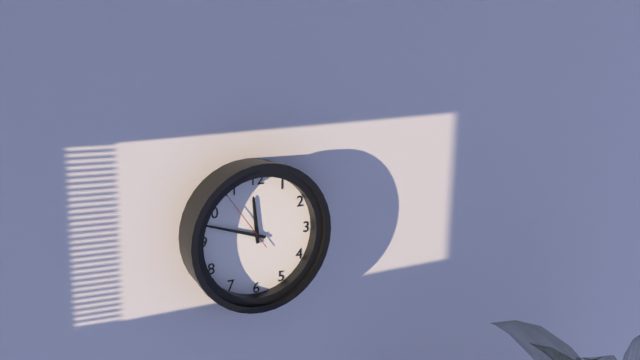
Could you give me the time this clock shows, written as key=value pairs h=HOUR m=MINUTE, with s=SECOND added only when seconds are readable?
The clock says h=11 m=48 s=54
